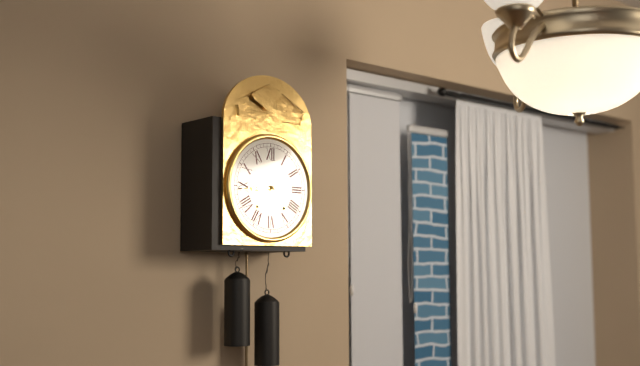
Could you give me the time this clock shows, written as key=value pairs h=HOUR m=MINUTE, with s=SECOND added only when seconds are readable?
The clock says h=8 m=44
